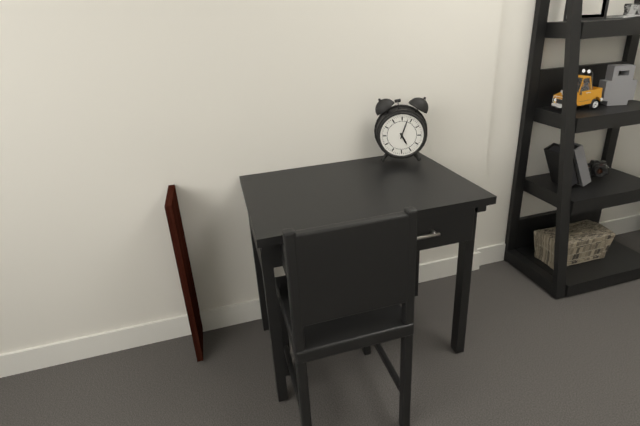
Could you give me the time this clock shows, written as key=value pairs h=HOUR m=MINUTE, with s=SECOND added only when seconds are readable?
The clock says h=5 m=3
